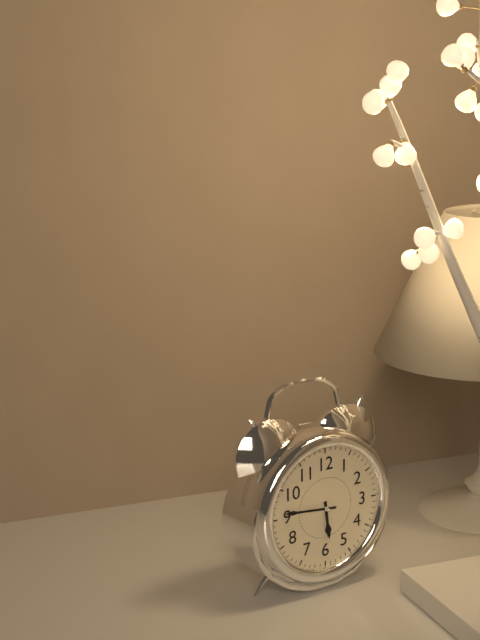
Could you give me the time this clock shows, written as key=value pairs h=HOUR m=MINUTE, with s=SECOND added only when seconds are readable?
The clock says h=5 m=46
